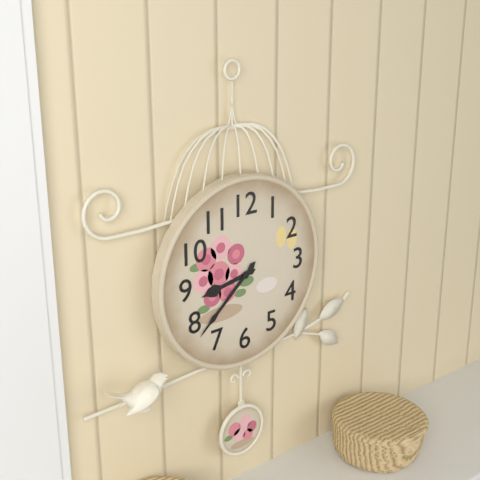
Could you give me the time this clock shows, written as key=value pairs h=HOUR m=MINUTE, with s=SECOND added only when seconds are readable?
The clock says h=8 m=38
